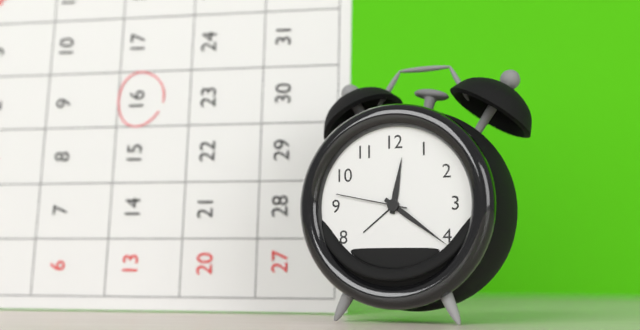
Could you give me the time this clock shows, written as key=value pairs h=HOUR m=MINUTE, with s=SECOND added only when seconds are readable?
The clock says h=12 m=21 s=47
